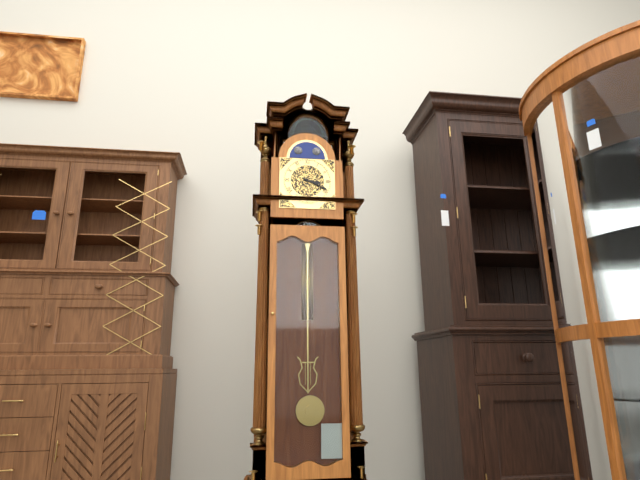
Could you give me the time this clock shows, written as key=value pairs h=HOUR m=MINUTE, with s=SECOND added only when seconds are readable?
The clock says h=3 m=19
